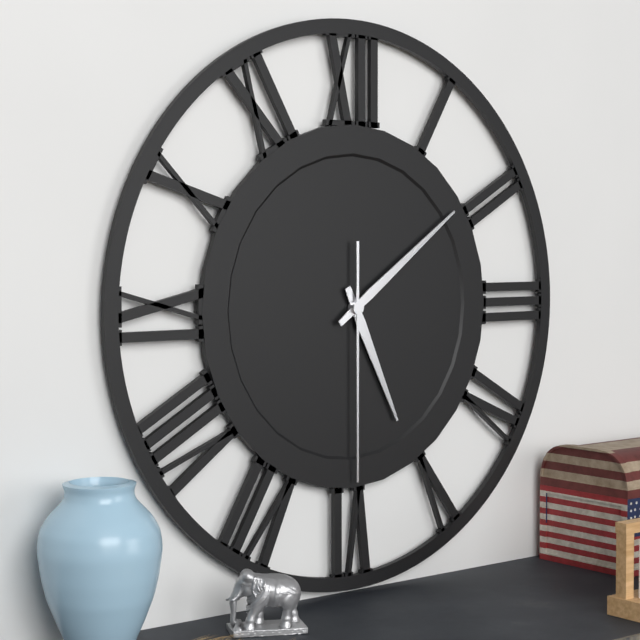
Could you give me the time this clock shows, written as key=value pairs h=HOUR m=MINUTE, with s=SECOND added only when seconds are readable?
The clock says h=5 m=9 s=30
